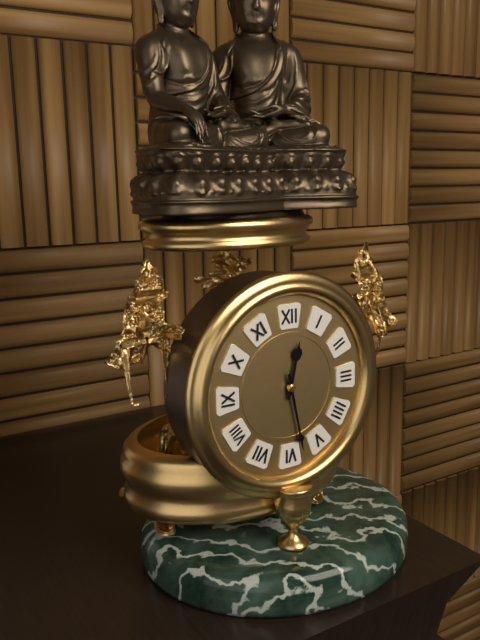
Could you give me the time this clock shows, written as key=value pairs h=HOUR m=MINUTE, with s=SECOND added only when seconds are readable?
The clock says h=12 m=28
